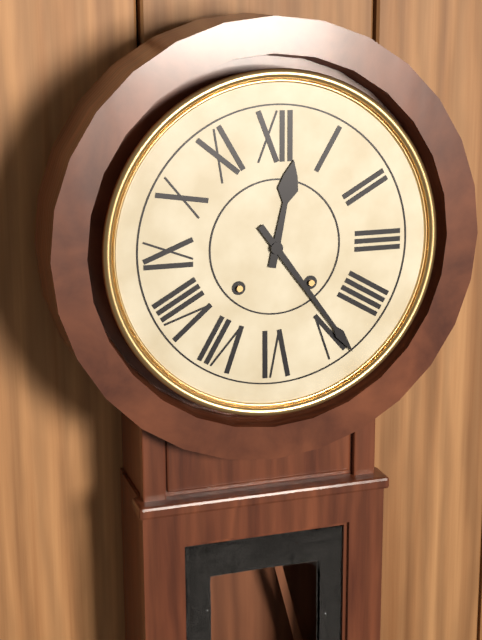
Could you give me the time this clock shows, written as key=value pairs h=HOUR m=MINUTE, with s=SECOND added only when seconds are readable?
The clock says h=12 m=24
